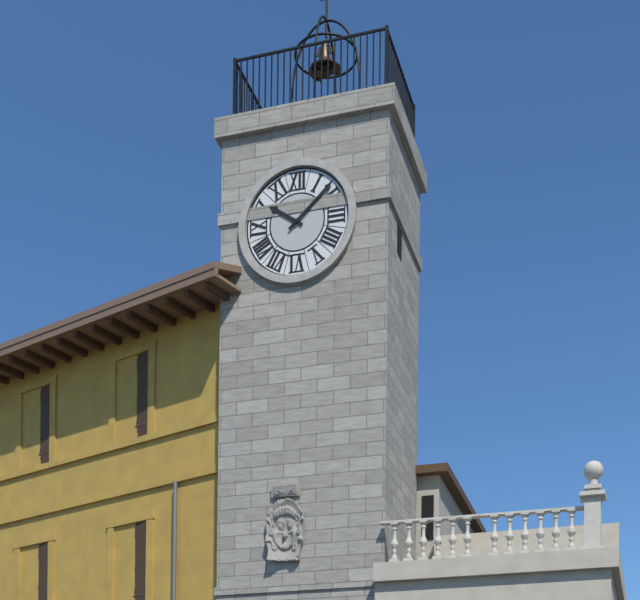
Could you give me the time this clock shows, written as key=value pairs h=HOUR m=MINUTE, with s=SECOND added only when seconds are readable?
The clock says h=10 m=8
